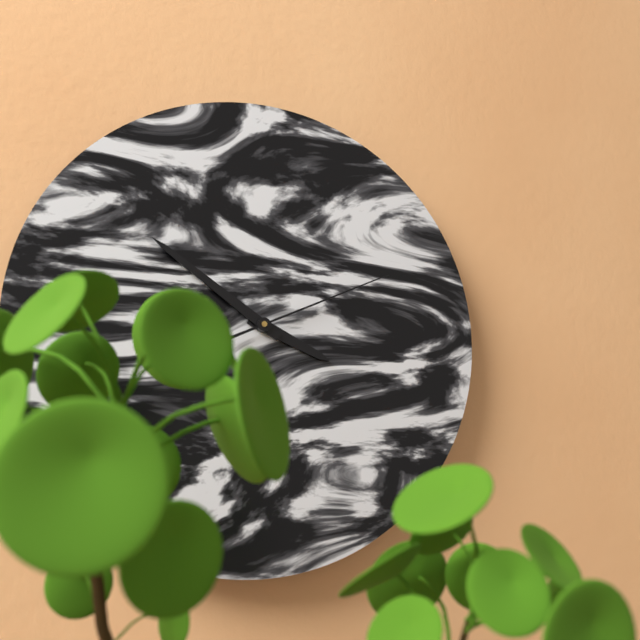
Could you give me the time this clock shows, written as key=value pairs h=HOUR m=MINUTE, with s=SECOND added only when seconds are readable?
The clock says h=3 m=51 s=11
